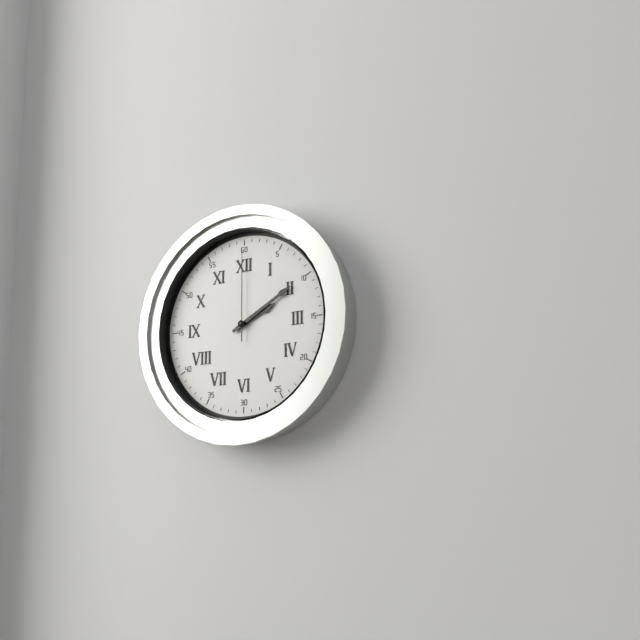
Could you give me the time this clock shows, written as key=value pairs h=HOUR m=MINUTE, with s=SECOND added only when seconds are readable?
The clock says h=2 m=10 s=0
